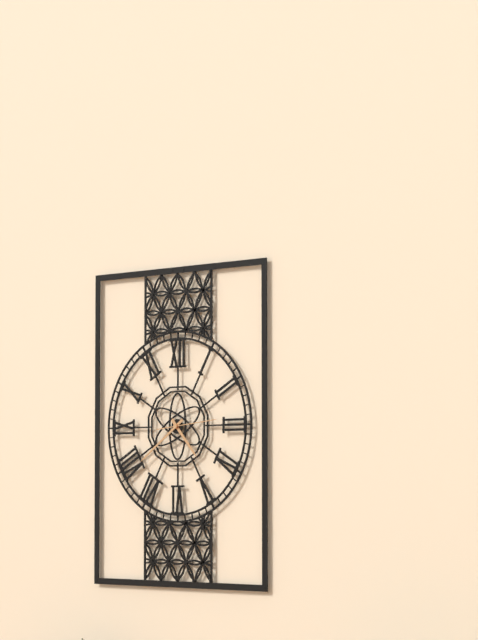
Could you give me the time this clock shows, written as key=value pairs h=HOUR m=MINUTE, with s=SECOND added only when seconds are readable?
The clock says h=4 m=39
